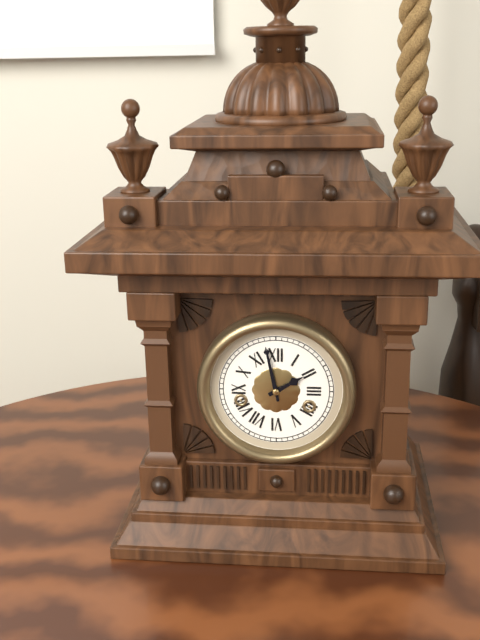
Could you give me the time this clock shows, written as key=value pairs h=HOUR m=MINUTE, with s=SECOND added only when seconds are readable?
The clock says h=1 m=58
